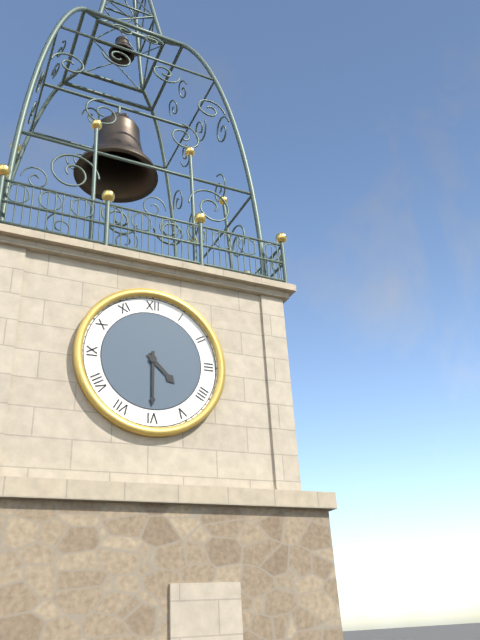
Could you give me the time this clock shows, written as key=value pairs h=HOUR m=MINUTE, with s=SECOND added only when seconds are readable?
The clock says h=4 m=30
